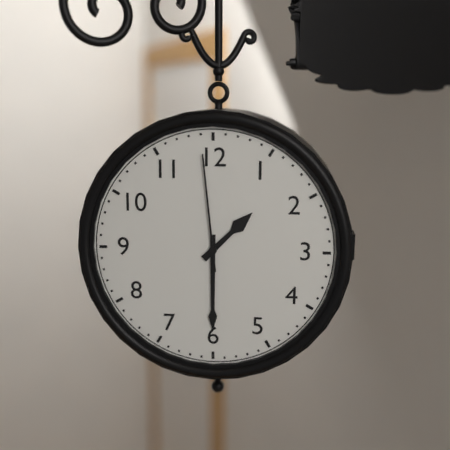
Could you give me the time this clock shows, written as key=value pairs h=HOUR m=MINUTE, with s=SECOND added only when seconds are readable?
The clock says h=1 m=30 s=59
